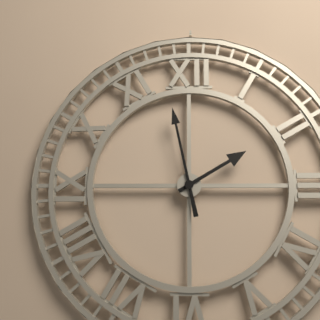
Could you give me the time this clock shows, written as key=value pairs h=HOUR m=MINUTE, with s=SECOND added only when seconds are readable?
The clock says h=1 m=58
